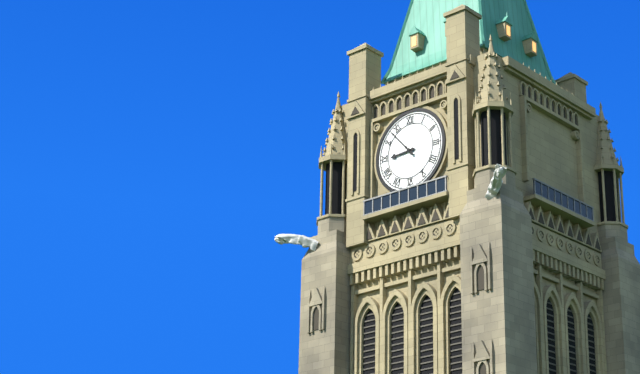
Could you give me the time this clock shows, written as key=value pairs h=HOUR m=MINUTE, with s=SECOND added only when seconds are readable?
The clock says h=8 m=53
